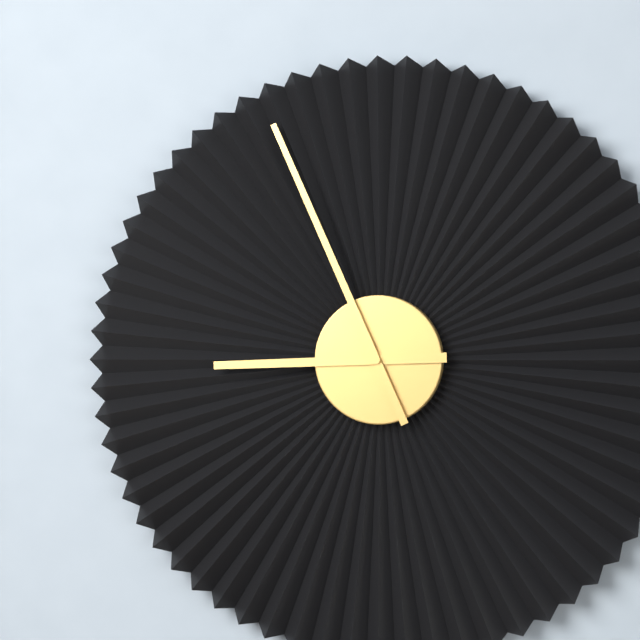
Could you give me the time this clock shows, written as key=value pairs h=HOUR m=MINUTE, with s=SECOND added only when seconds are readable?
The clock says h=8 m=56
